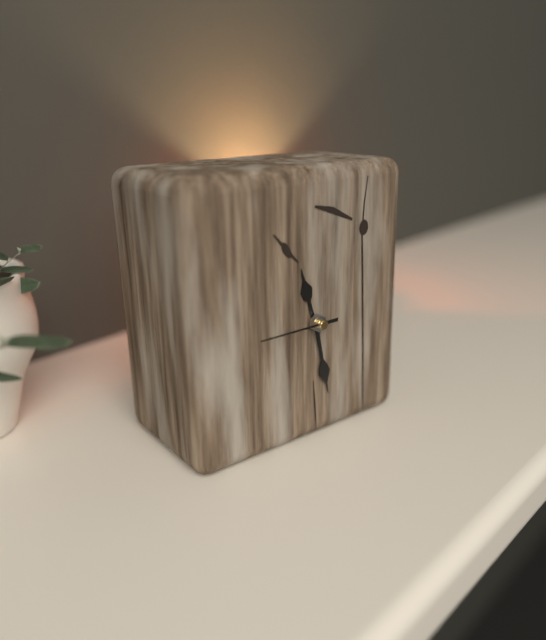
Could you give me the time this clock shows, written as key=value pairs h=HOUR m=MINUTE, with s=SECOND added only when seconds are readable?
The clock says h=11 m=28 s=45
